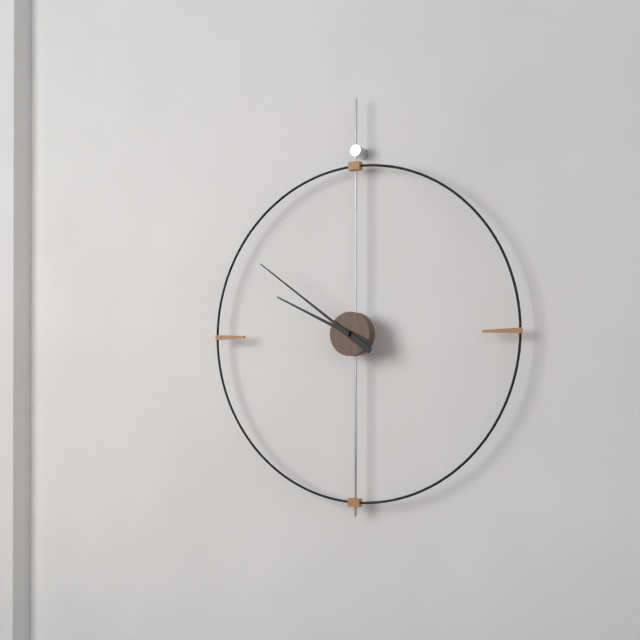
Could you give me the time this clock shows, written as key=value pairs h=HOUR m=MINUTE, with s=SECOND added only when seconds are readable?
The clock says h=9 m=51
